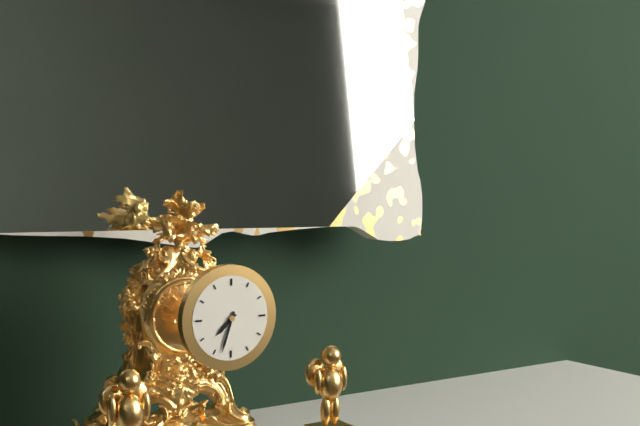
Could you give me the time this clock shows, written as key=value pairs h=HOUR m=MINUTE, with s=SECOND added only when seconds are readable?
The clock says h=7 m=33
